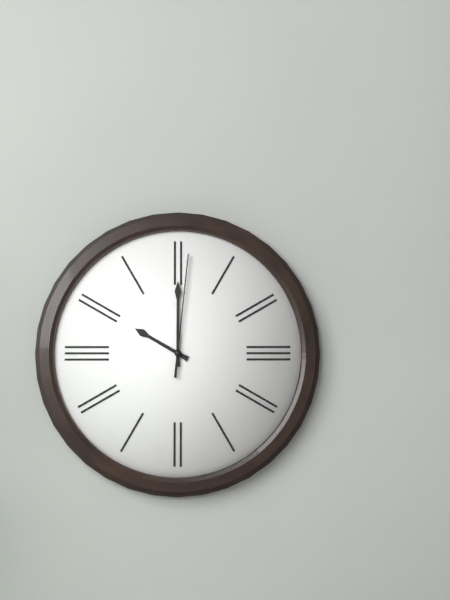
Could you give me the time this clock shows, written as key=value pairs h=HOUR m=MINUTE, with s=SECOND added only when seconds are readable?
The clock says h=10 m=0 s=1
